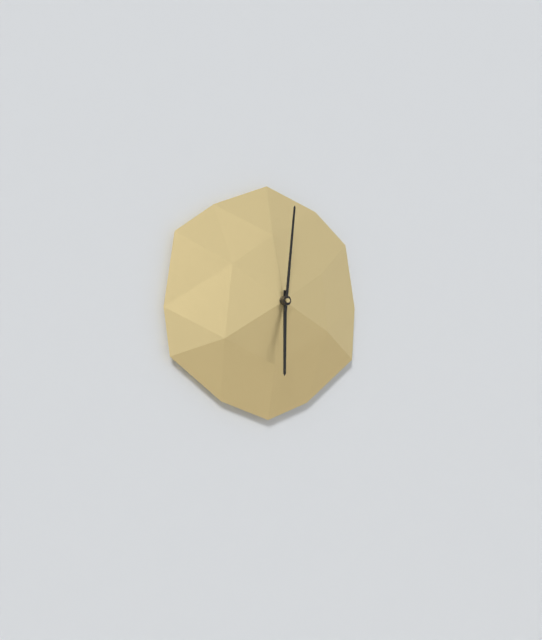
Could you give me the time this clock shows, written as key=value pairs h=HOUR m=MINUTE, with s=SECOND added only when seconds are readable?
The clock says h=6 m=1
